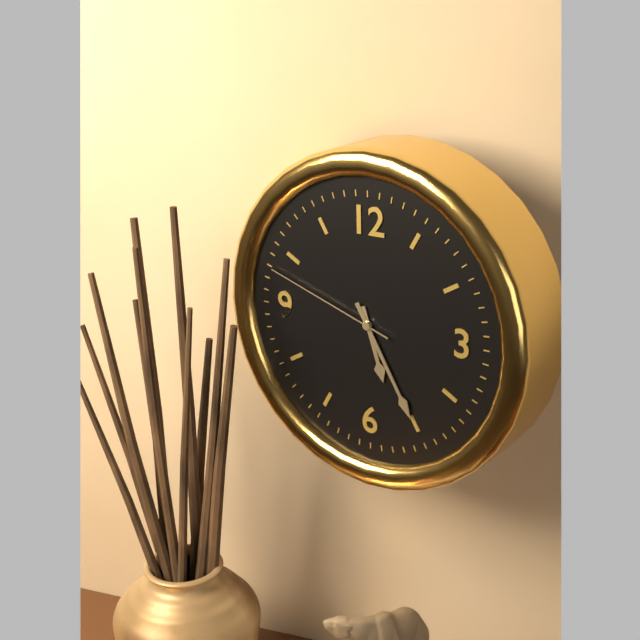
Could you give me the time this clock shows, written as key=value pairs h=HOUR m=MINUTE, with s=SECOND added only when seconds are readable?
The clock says h=5 m=25 s=48
